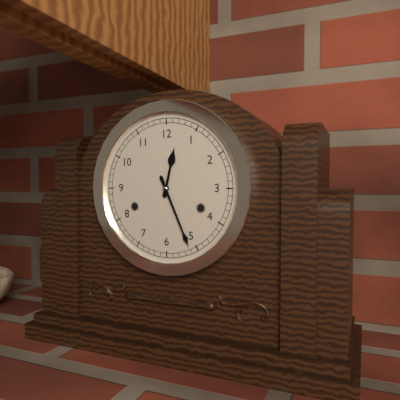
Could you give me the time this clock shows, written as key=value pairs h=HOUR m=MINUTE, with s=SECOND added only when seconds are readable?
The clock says h=12 m=26
